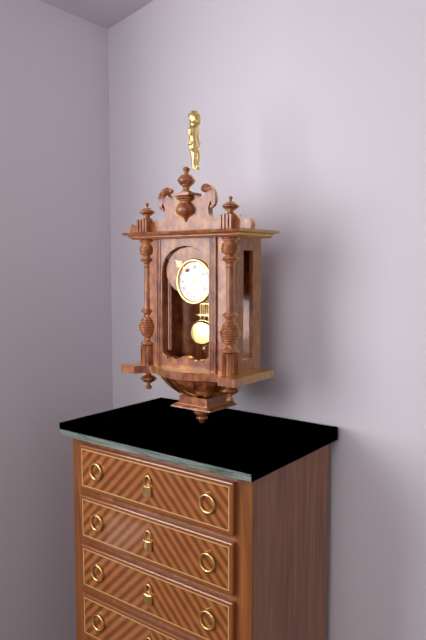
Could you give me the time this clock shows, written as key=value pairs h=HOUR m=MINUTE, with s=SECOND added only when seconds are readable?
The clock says h=3 m=8
